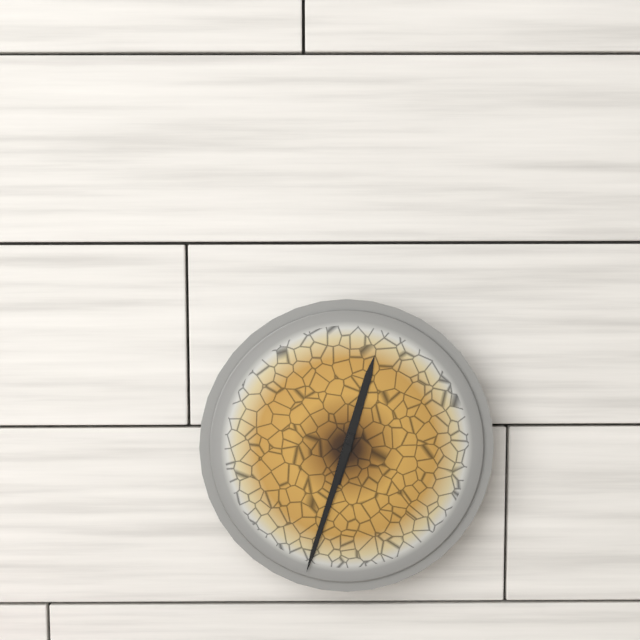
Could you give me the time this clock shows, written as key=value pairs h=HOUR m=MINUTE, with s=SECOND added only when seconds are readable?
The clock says h=12 m=33
